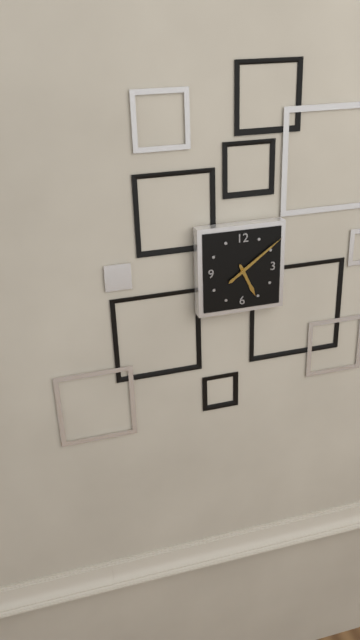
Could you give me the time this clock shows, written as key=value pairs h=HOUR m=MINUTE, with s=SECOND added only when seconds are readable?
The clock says h=5 m=9
